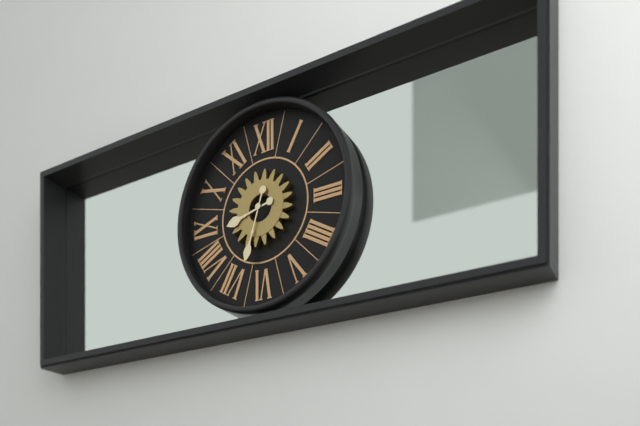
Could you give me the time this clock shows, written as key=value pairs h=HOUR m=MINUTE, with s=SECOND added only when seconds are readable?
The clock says h=8 m=33
